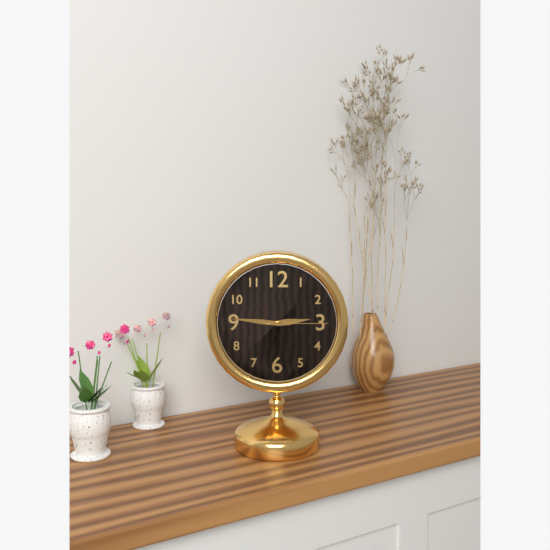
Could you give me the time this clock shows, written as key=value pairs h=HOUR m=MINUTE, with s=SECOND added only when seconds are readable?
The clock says h=2 m=46 s=15
